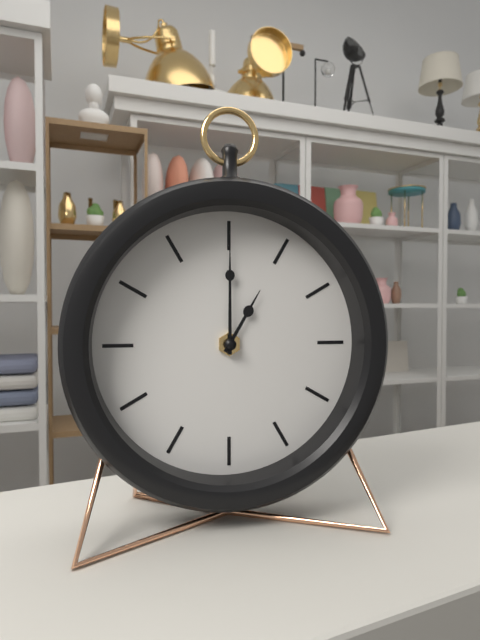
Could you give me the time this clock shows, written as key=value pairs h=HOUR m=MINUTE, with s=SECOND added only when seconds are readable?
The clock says h=1 m=0
